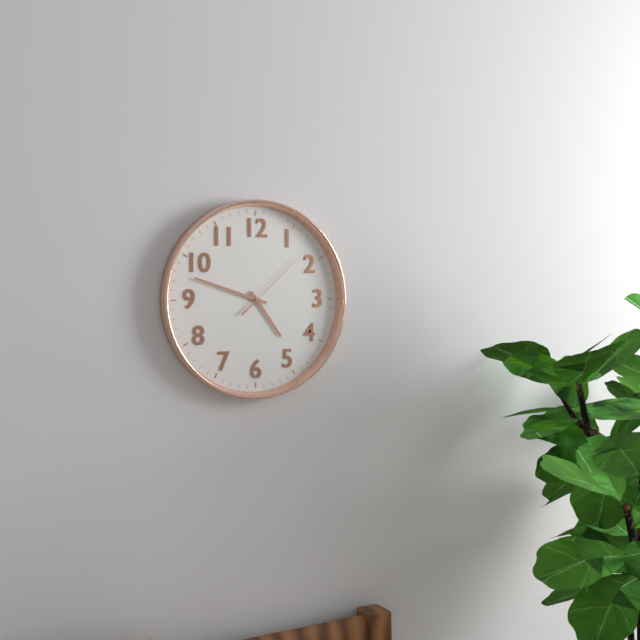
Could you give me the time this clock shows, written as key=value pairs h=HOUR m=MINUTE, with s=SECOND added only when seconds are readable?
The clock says h=4 m=48 s=8
